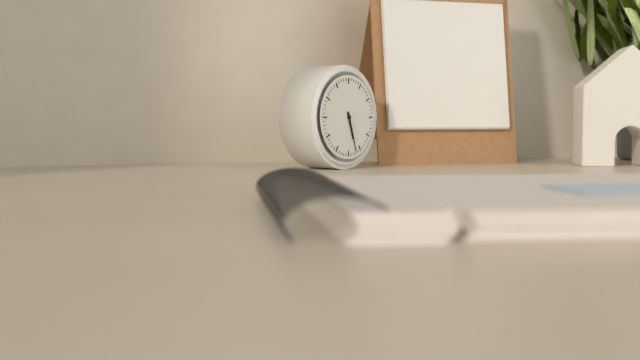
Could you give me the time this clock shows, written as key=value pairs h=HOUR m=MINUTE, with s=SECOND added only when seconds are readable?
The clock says h=5 m=27
